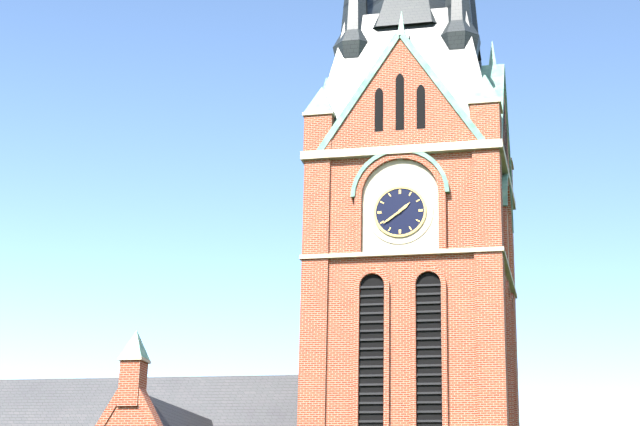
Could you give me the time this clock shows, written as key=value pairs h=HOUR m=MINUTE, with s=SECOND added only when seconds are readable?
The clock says h=1 m=39
